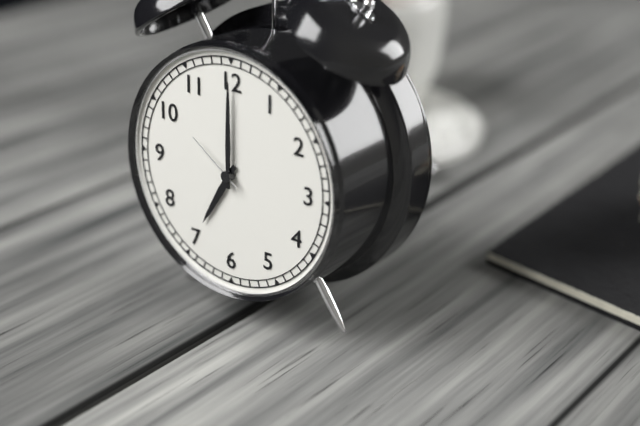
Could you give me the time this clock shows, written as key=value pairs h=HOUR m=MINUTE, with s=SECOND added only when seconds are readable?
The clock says h=7 m=0 s=51
